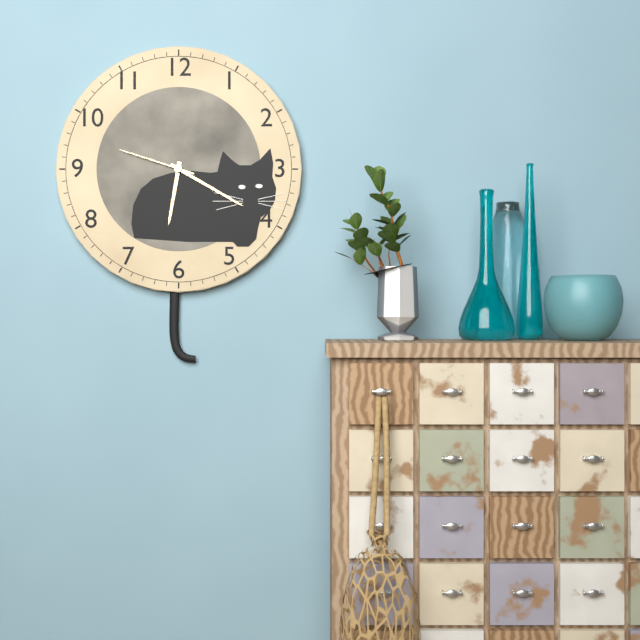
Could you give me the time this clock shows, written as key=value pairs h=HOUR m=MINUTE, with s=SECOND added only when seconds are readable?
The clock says h=6 m=20 s=48
